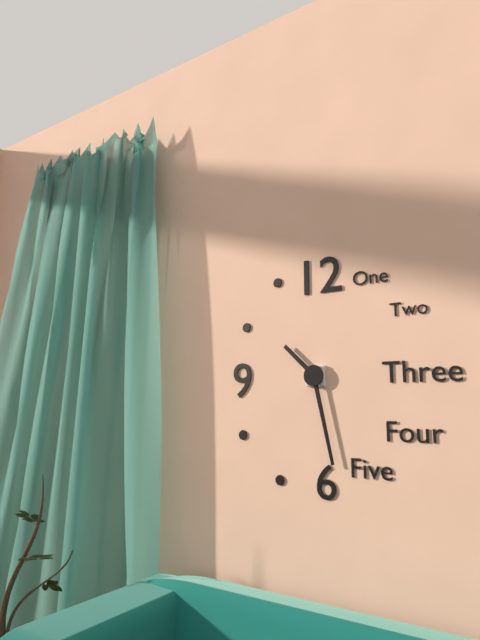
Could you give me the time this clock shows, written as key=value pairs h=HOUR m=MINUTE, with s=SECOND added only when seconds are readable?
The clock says h=10 m=28
